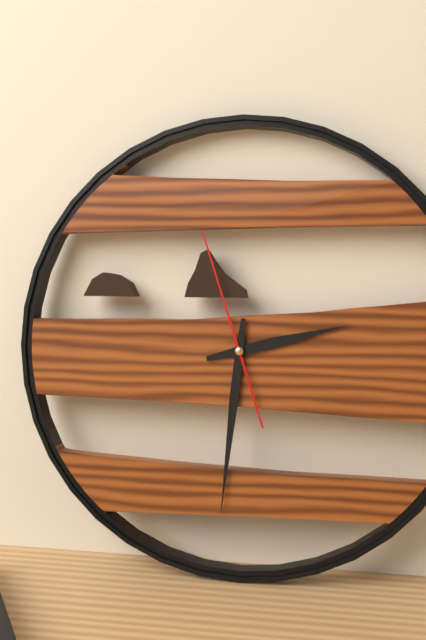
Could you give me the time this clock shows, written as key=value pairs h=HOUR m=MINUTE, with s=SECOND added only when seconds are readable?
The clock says h=2 m=31 s=57
